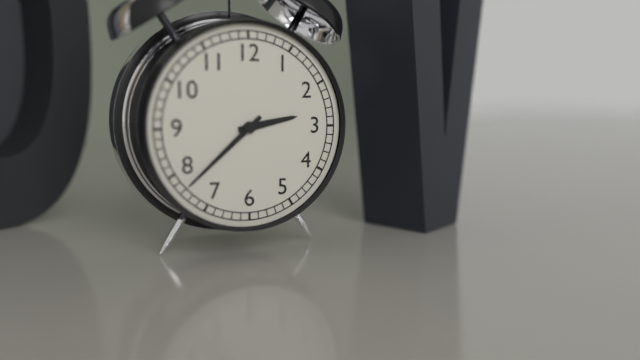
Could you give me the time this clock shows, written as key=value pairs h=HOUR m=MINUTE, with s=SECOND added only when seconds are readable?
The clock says h=2 m=38
